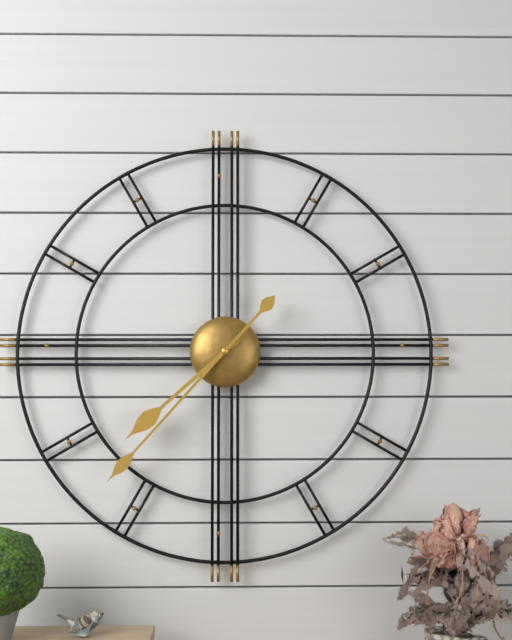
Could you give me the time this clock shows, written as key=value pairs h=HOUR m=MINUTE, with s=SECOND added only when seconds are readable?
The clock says h=7 m=37
